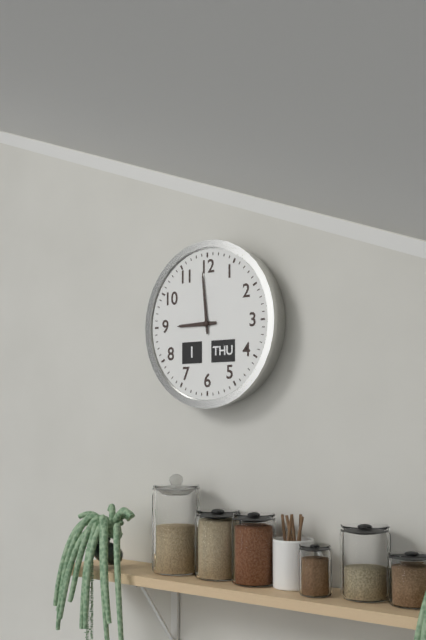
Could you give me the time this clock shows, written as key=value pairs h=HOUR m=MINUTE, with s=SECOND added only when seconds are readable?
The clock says h=8 m=59
